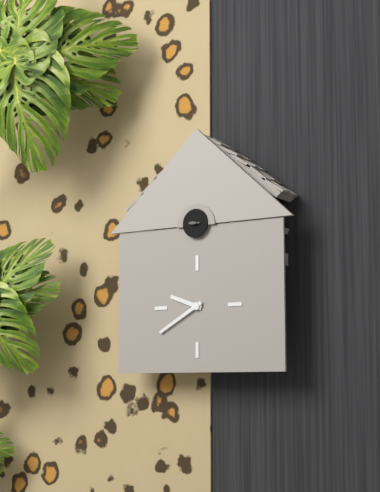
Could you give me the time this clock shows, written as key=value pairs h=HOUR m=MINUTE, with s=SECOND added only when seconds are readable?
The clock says h=9 m=40
